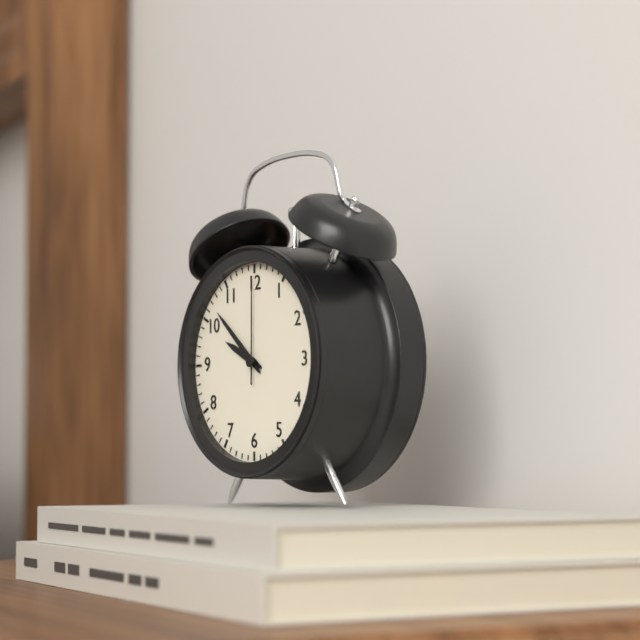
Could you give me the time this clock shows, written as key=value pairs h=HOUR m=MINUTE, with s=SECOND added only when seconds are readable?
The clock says h=9 m=52 s=0
